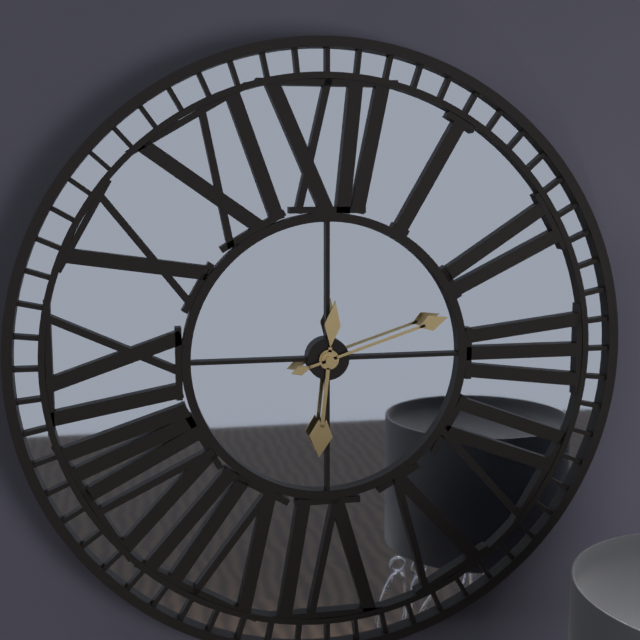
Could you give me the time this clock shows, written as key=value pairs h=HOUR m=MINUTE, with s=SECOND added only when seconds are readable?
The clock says h=6 m=12
